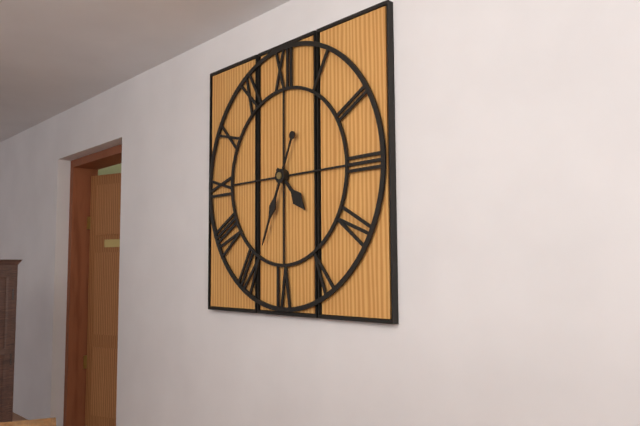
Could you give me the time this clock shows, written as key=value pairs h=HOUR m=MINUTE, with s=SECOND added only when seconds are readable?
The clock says h=4 m=34
